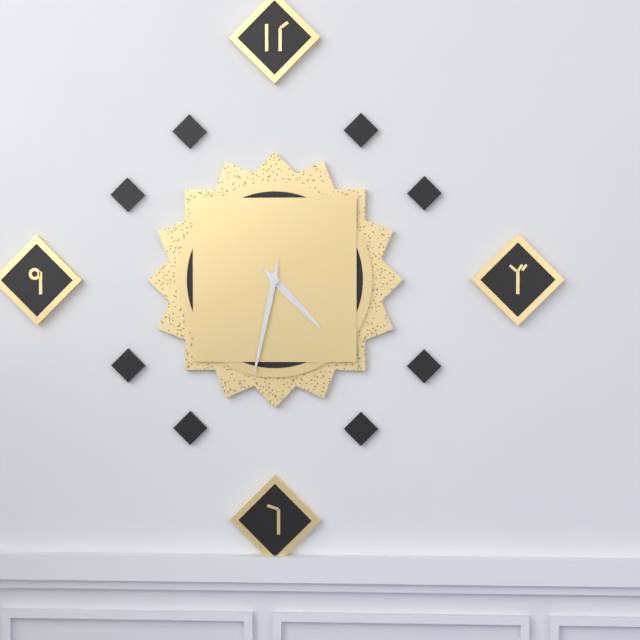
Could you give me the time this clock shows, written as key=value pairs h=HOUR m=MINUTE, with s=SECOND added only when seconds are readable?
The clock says h=4 m=32
